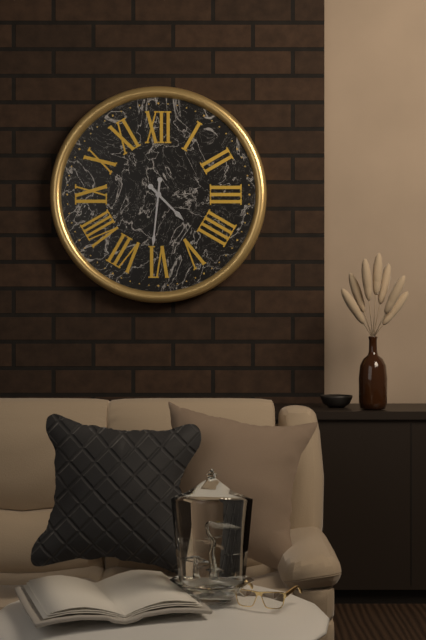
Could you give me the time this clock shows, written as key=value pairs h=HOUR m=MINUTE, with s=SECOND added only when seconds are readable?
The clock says h=4 m=31
